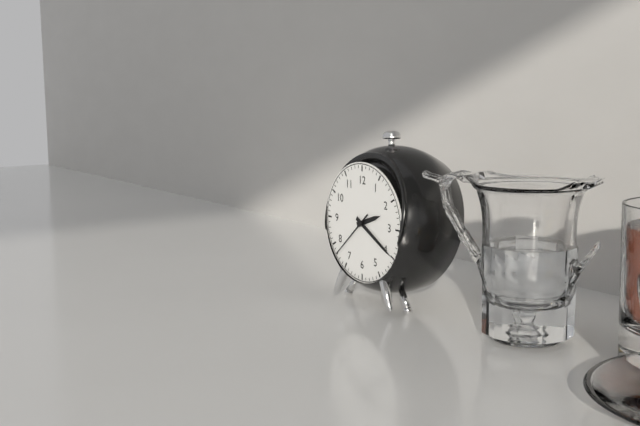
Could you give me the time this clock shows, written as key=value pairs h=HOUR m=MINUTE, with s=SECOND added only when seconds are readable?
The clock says h=2 m=20 s=38
